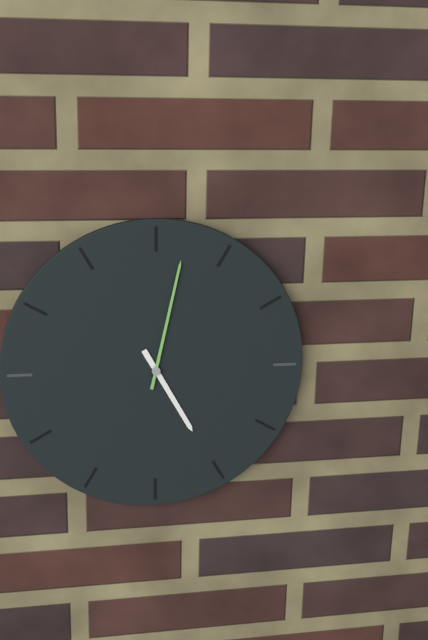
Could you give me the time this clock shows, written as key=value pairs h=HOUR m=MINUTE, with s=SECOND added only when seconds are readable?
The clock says h=5 m=2
